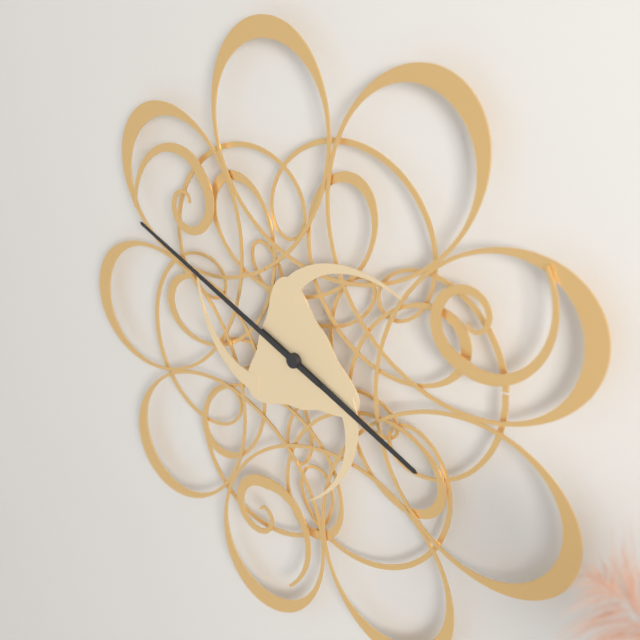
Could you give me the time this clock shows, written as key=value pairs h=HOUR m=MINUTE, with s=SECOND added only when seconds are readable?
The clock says h=3 m=49
